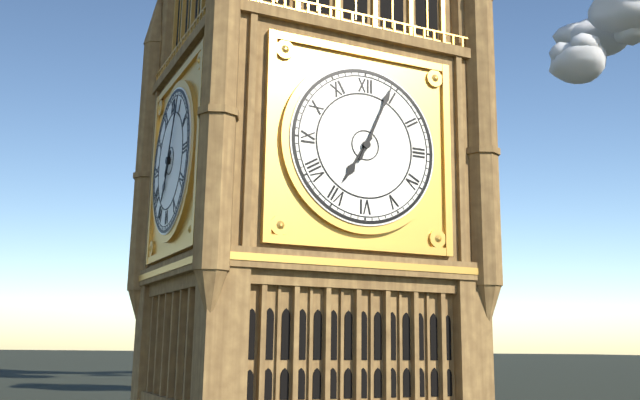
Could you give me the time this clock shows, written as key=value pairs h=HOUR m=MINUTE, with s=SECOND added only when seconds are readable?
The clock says h=7 m=4
